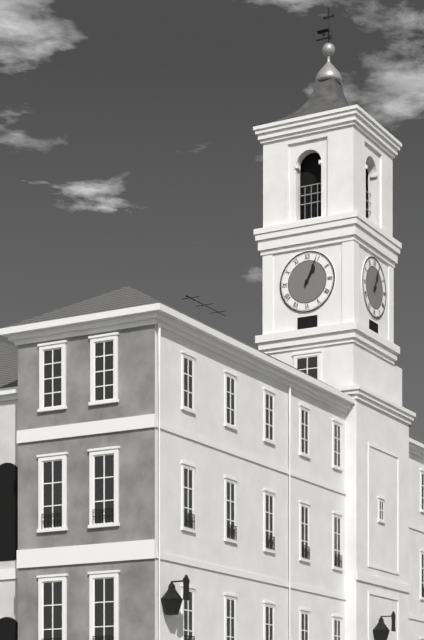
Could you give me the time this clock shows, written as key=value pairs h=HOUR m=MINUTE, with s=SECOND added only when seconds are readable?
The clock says h=1 m=4
